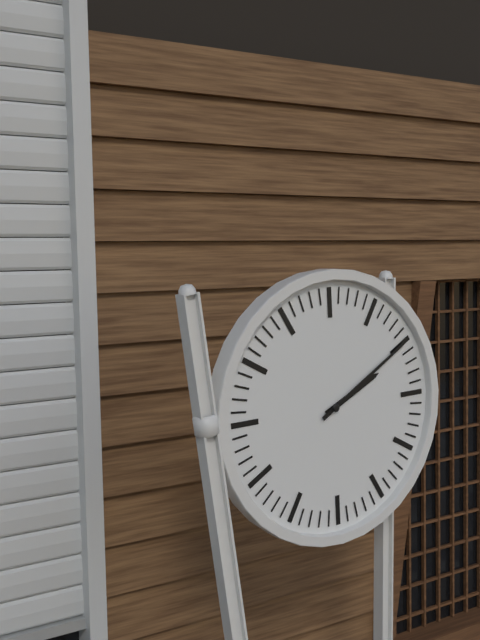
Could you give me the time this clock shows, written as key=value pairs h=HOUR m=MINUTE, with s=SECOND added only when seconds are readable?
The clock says h=2 m=10
